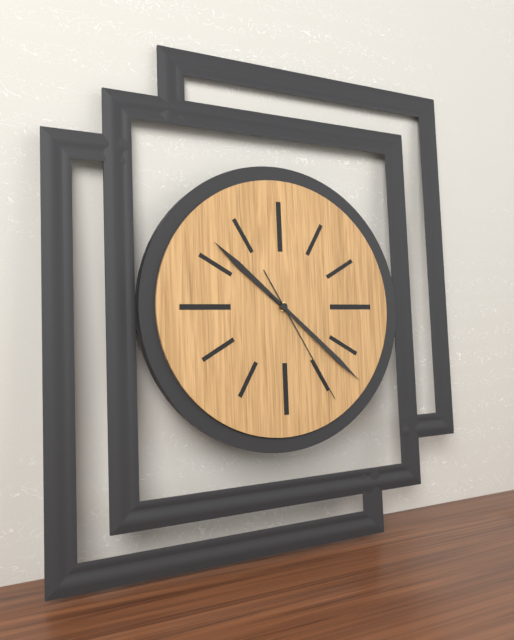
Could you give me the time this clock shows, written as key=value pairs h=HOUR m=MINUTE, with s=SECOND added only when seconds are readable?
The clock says h=10 m=22 s=25
